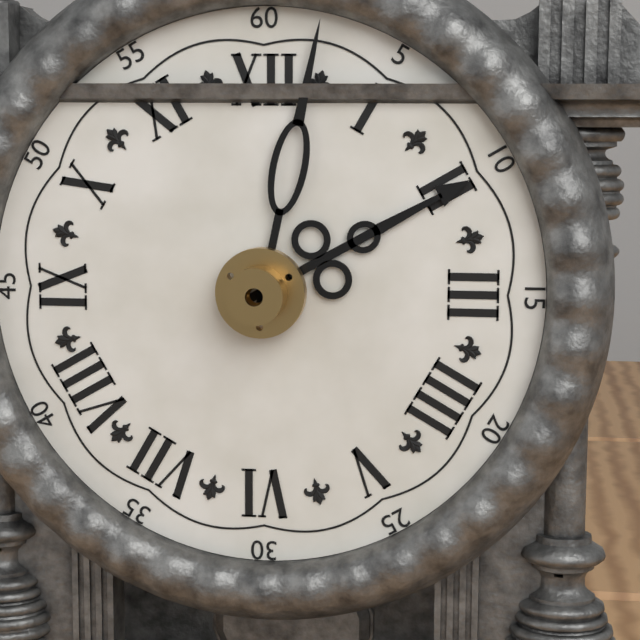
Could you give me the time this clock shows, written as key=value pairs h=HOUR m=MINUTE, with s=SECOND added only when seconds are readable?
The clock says h=2 m=2
